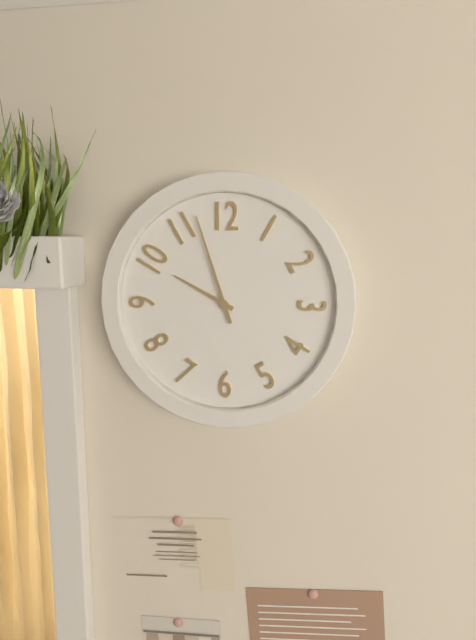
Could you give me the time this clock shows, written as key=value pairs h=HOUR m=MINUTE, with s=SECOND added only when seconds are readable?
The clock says h=9 m=57
